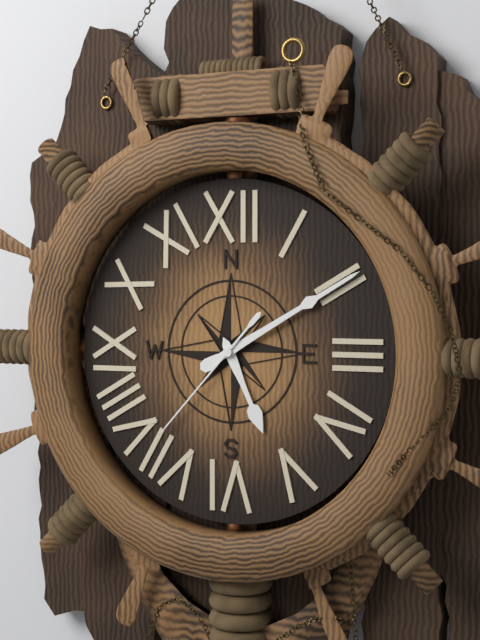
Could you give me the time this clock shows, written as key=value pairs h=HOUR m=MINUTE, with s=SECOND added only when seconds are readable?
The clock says h=5 m=10 s=37
